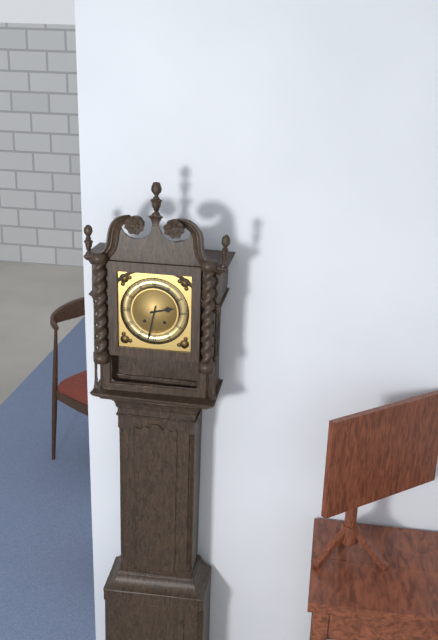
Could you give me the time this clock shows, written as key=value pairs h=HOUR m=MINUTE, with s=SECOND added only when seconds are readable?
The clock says h=2 m=32
